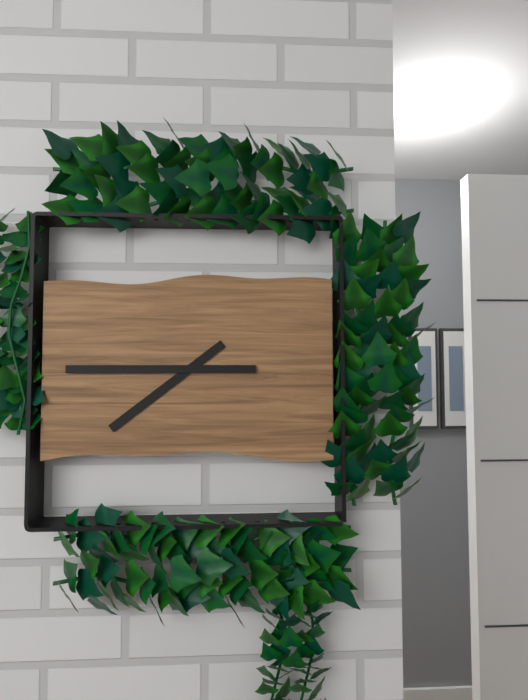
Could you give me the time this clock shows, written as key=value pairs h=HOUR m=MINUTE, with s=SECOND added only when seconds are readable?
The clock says h=7 m=45
